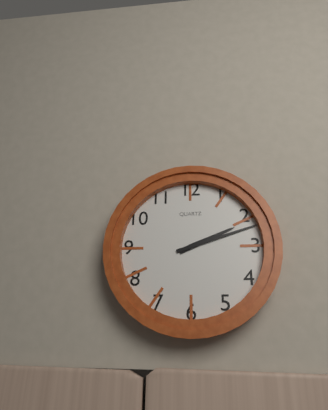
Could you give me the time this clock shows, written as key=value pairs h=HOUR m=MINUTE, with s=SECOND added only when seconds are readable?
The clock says h=2 m=12
